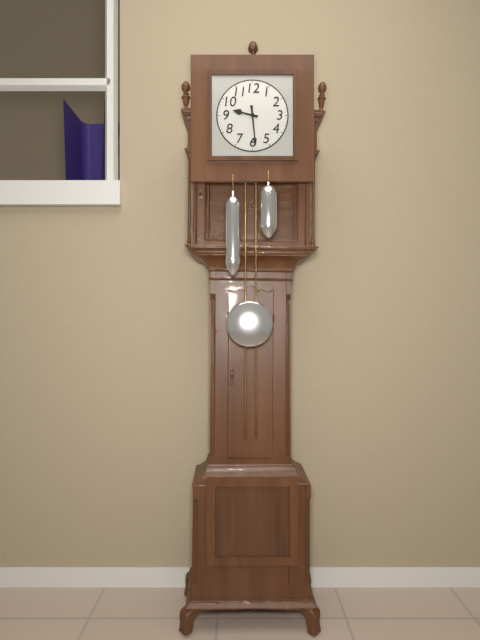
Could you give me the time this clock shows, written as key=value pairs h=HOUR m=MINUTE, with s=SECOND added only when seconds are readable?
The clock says h=9 m=29
